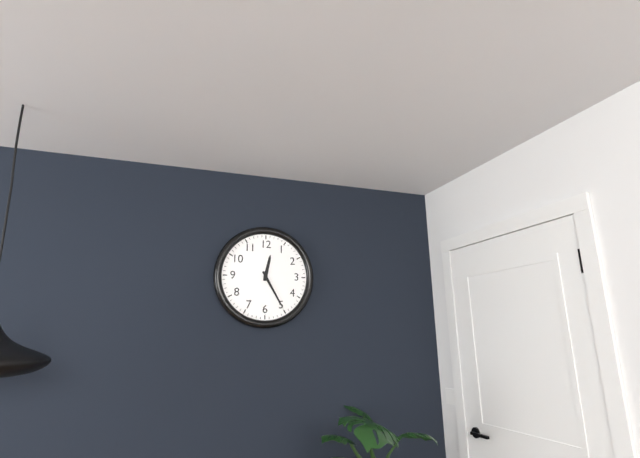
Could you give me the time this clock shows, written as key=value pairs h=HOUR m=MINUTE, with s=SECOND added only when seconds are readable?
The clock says h=12 m=25
